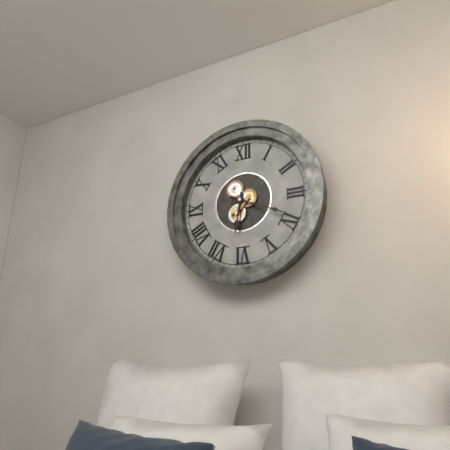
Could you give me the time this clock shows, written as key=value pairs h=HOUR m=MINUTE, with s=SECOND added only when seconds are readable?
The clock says h=6 m=19
